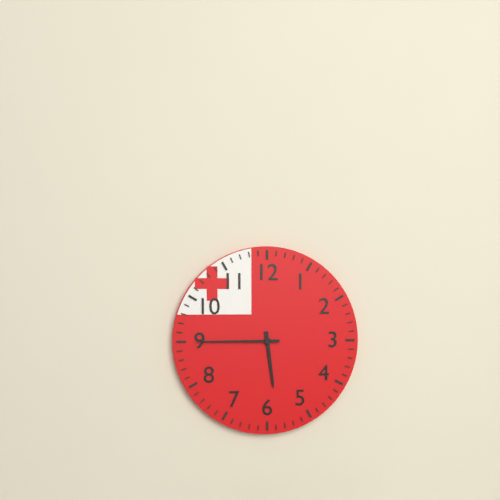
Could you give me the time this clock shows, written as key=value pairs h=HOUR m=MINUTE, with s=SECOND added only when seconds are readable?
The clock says h=5 m=45
